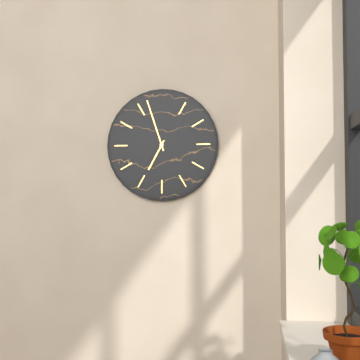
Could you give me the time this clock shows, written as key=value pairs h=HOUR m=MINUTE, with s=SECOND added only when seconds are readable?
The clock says h=6 m=57
